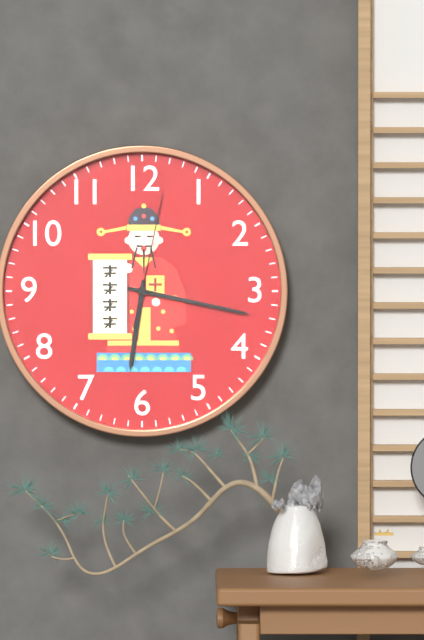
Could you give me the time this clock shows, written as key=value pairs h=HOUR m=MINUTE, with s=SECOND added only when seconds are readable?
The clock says h=6 m=17 s=2
